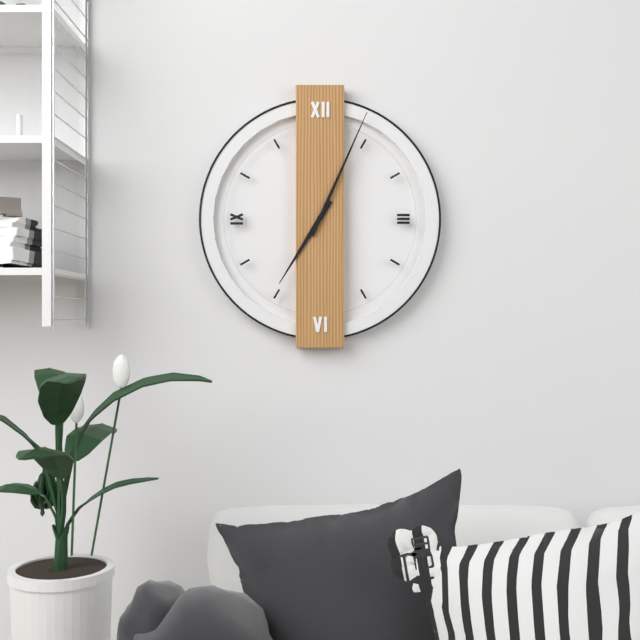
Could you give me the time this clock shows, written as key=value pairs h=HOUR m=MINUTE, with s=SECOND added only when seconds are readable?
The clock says h=7 m=4
